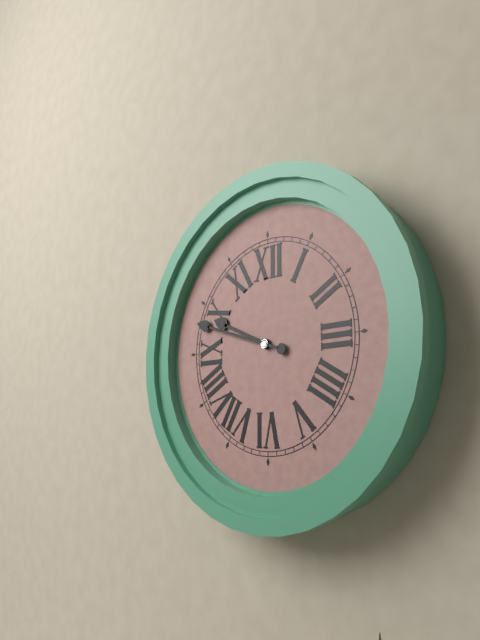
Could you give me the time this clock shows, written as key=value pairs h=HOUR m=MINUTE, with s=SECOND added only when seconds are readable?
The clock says h=9 m=48
